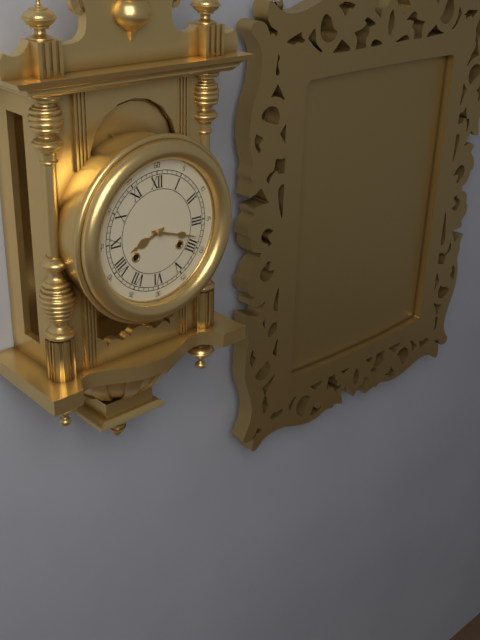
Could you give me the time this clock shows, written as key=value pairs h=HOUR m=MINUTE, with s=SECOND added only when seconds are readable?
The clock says h=8 m=18
